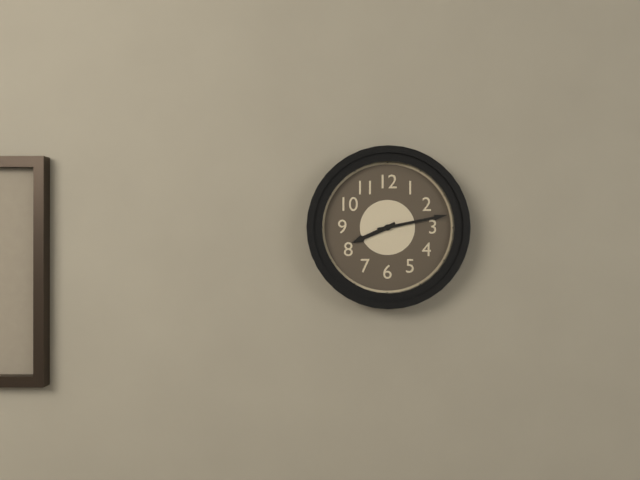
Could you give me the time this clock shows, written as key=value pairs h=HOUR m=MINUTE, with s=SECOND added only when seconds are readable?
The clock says h=8 m=13
